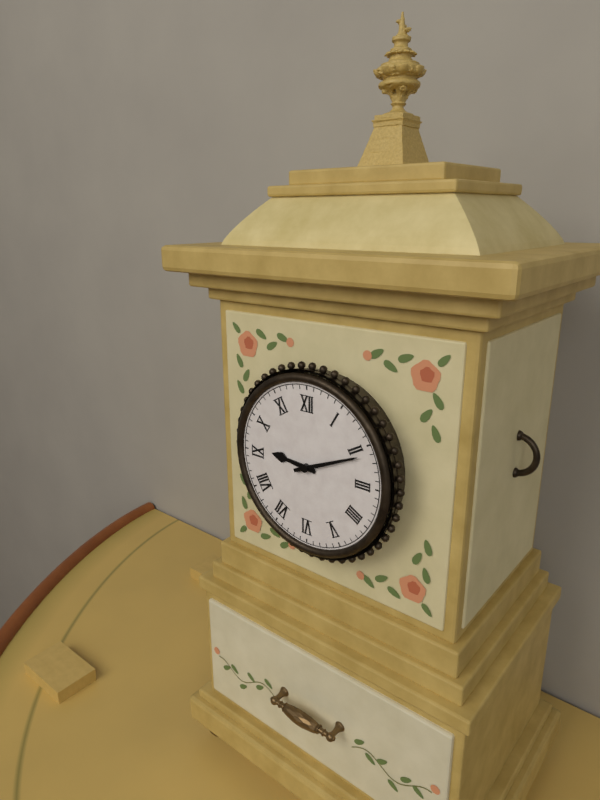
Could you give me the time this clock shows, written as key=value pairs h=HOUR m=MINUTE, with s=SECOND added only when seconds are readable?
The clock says h=9 m=11
